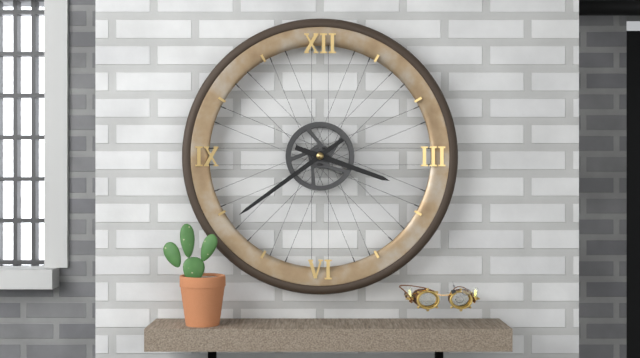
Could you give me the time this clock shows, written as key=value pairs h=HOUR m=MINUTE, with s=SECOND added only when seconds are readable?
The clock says h=3 m=39
